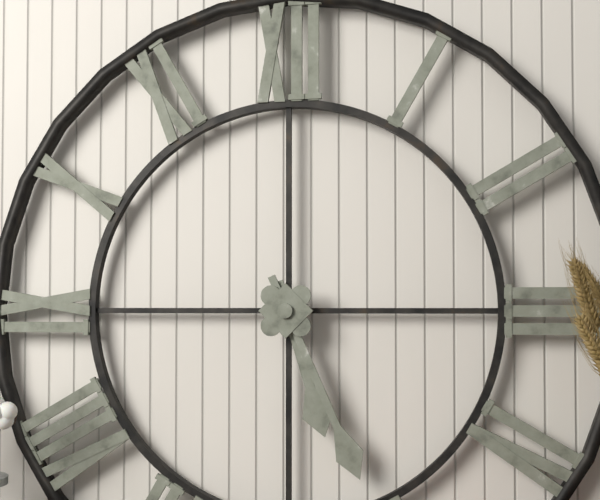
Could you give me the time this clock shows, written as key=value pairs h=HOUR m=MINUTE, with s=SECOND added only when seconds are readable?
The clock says h=5 m=26
